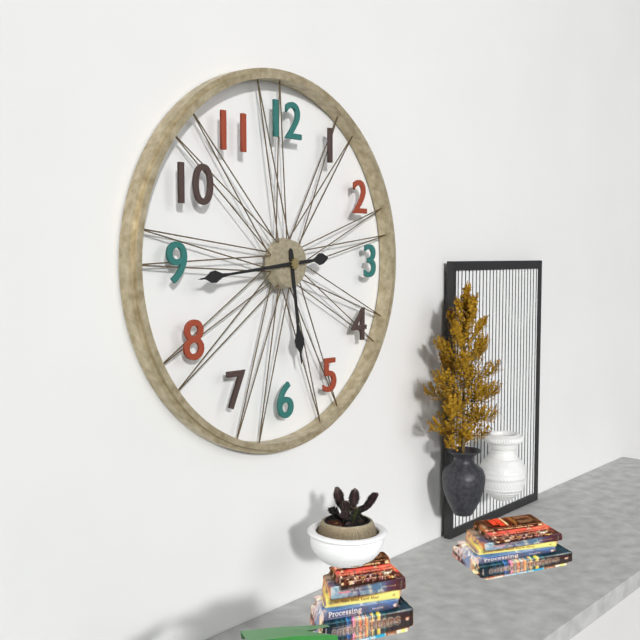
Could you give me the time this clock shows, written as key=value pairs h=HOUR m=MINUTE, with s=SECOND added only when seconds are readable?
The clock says h=5 m=44
